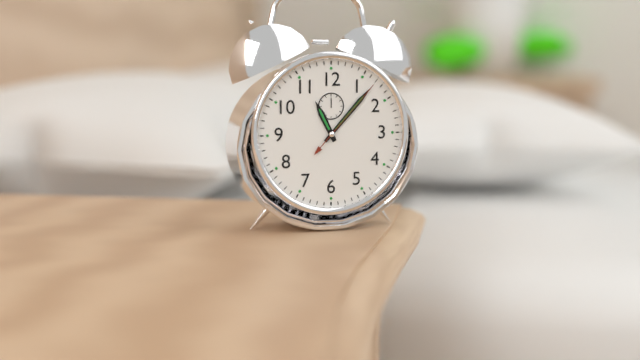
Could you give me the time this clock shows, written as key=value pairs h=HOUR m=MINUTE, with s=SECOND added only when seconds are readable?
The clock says h=11 m=7 s=7
